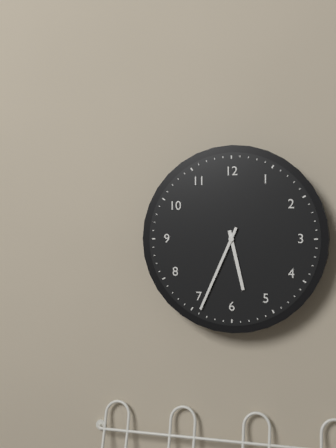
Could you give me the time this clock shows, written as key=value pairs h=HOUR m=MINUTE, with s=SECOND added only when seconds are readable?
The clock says h=5 m=34
